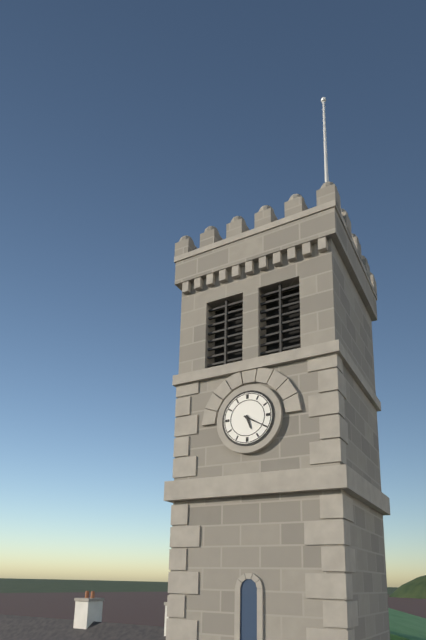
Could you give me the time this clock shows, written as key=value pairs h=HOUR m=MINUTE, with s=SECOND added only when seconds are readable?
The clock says h=5 m=20
